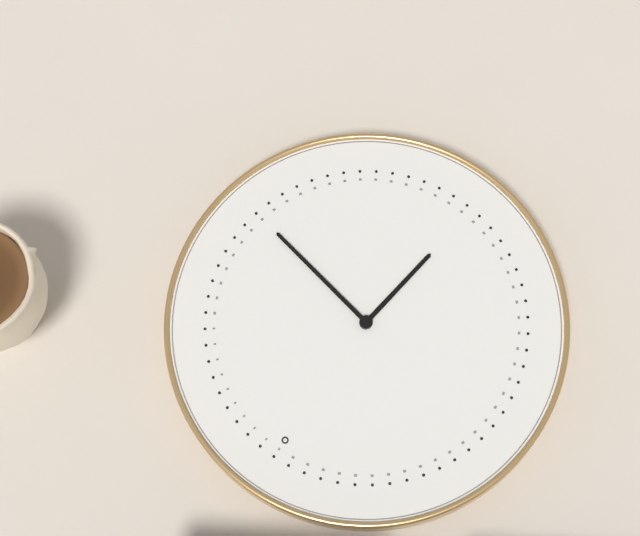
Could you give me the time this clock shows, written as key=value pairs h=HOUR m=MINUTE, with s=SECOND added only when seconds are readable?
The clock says h=6 m=17
